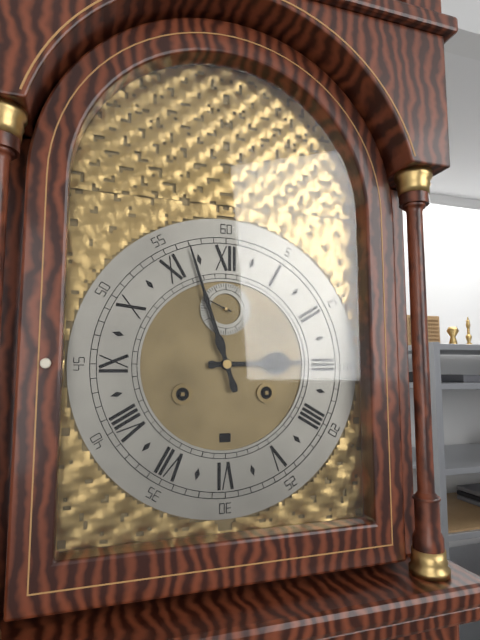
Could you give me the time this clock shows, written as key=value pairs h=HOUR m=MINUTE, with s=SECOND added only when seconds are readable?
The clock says h=2 m=57
